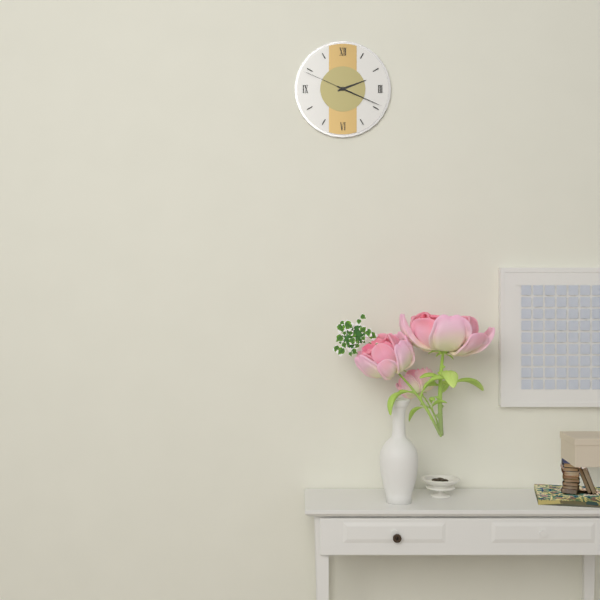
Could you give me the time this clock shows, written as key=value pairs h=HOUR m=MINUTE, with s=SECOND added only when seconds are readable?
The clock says h=2 m=19 s=49
